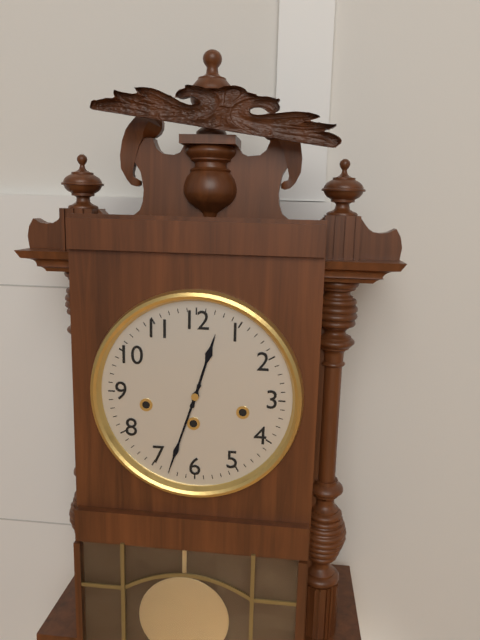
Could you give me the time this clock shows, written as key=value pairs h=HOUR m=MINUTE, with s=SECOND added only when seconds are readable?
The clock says h=12 m=33
